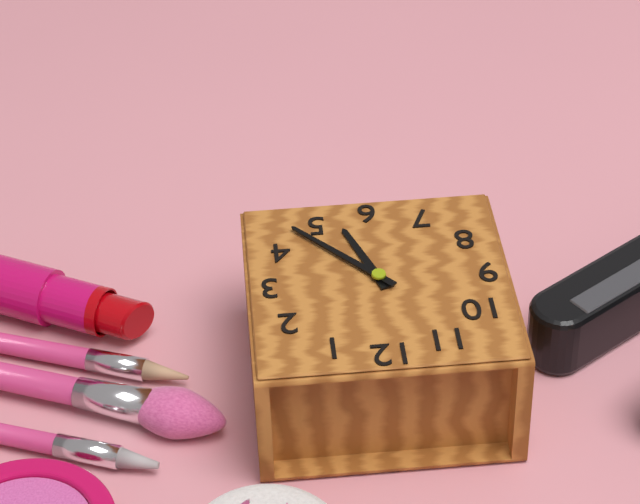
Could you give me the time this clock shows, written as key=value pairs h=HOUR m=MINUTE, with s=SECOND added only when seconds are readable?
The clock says h=5 m=23
